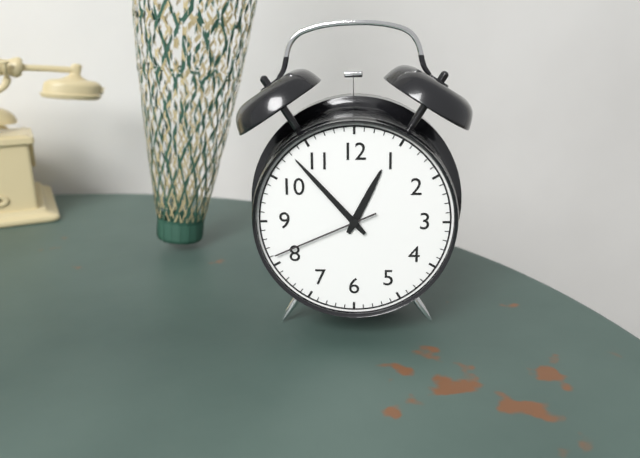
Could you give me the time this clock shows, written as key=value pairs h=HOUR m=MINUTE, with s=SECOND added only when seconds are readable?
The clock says h=12 m=53 s=41
